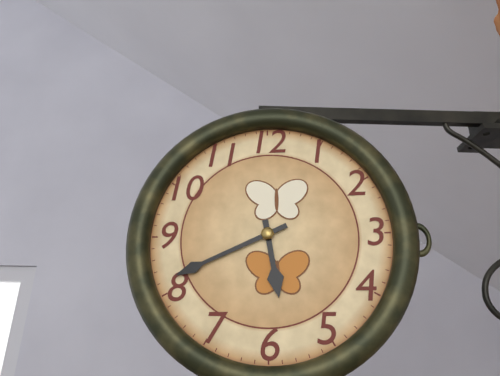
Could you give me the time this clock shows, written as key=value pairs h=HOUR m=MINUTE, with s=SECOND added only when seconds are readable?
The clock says h=5 m=41
